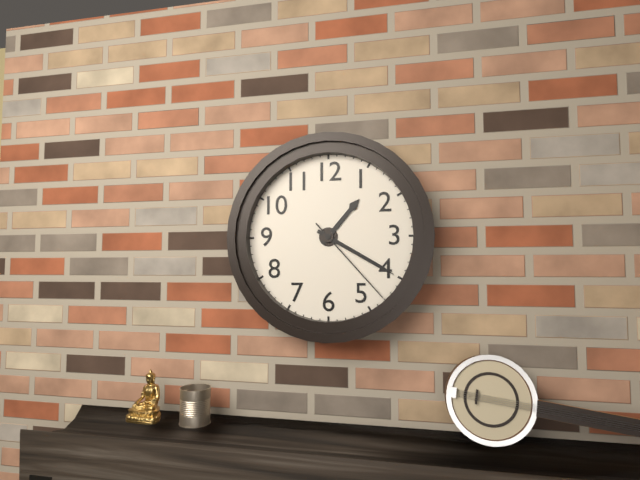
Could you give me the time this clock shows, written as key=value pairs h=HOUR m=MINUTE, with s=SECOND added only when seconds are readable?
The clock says h=1 m=20 s=23
